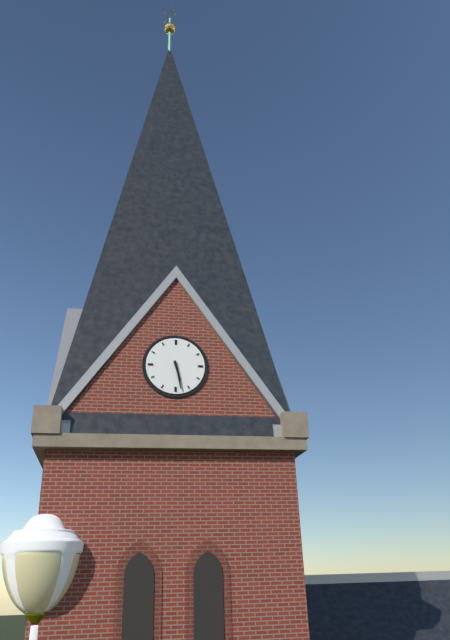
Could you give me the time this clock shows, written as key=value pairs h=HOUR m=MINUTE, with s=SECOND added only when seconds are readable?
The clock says h=5 m=28
